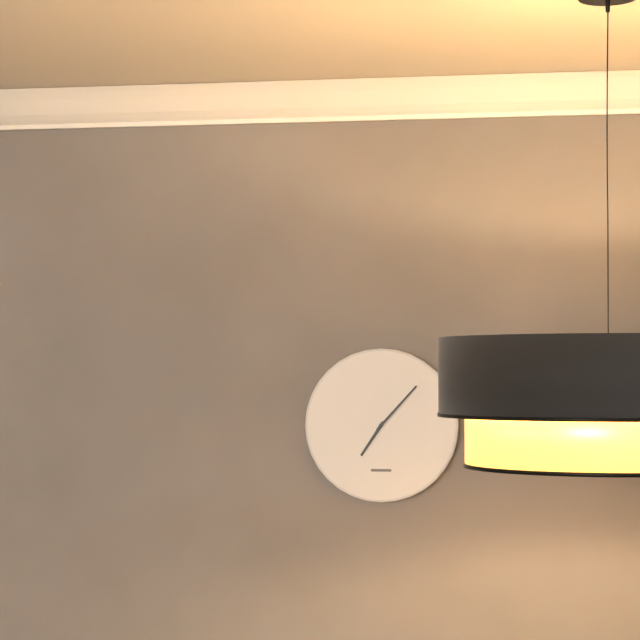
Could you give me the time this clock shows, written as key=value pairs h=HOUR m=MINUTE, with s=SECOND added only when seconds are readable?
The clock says h=7 m=7
